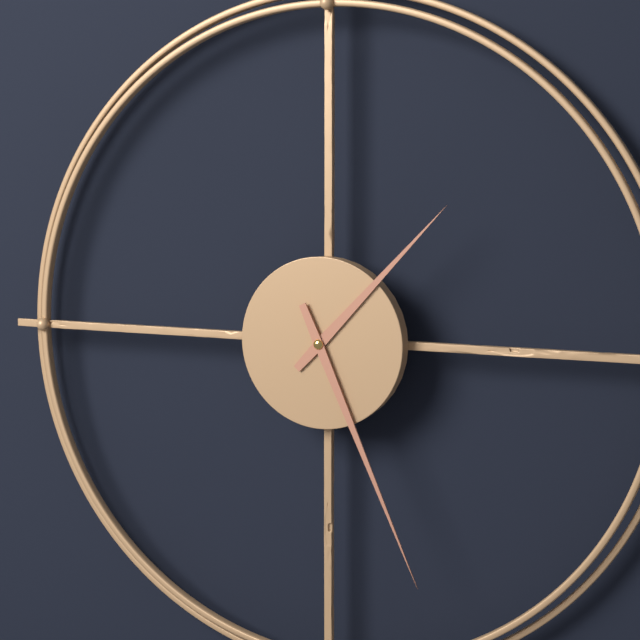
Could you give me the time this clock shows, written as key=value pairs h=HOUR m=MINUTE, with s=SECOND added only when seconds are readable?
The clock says h=1 m=26
